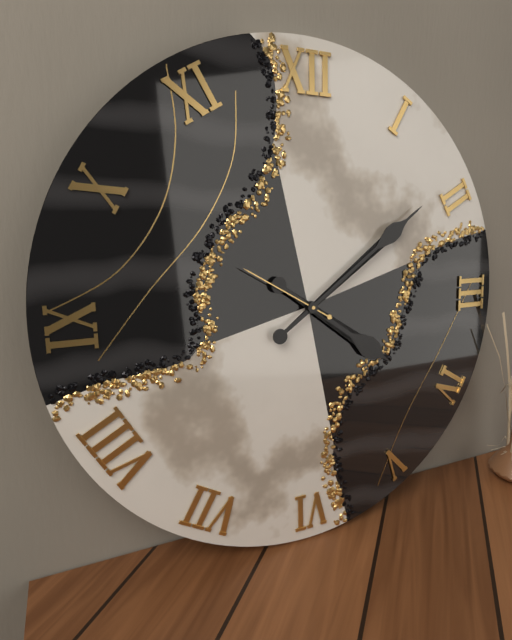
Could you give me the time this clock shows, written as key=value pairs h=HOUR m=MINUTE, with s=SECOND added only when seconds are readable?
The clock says h=4 m=9 s=50
